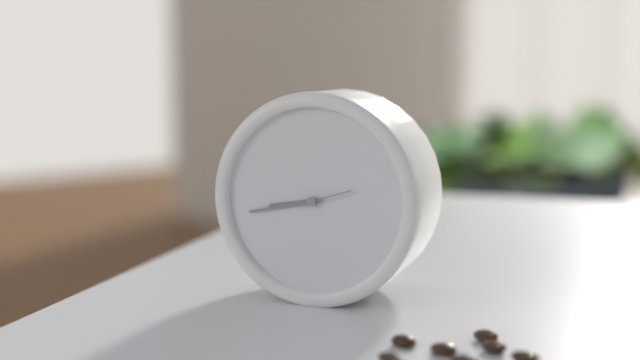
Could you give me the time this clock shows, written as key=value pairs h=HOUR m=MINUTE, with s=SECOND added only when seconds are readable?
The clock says h=8 m=43 s=12
